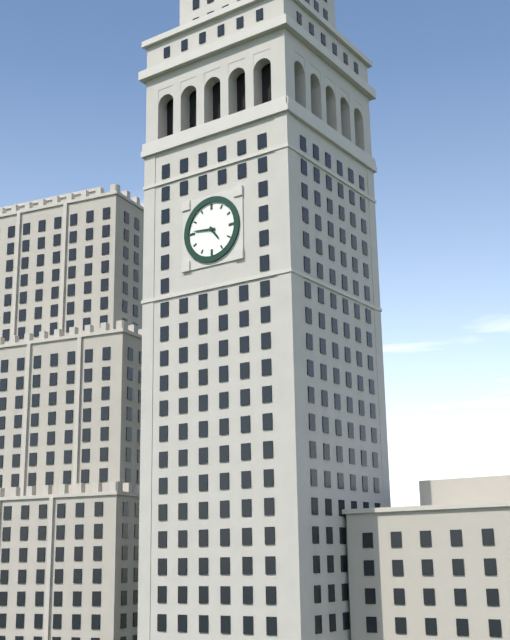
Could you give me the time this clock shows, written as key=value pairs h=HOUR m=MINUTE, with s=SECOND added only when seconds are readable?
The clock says h=4 m=46
